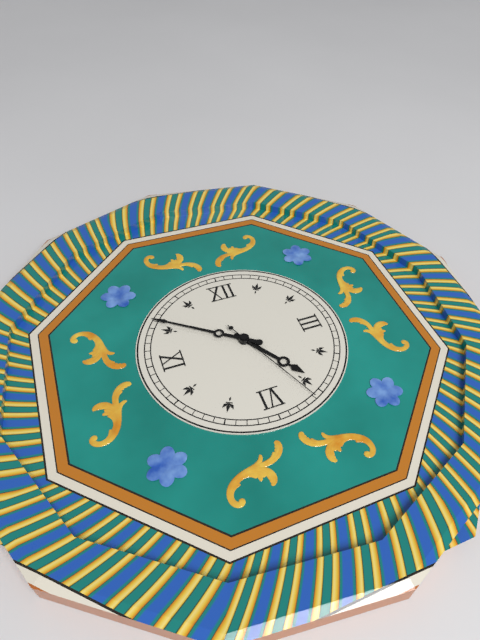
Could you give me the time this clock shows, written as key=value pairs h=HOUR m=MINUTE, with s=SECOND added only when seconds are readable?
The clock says h=4 m=51 s=26
